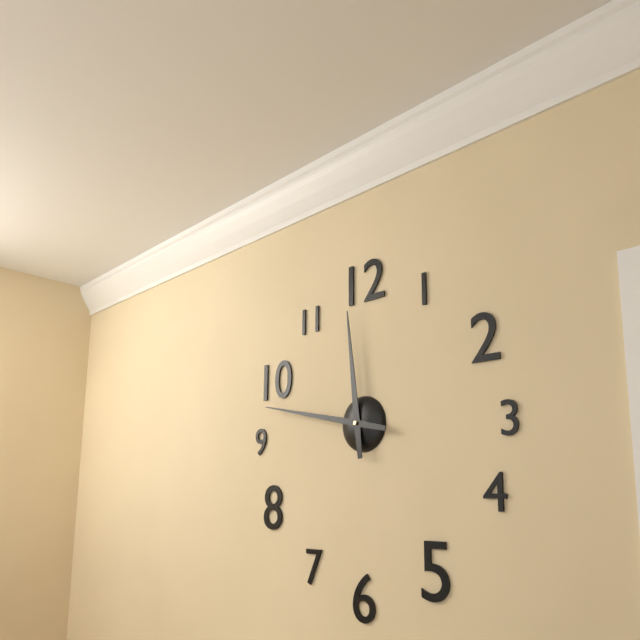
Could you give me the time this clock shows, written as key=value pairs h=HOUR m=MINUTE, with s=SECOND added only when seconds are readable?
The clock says h=11 m=47
